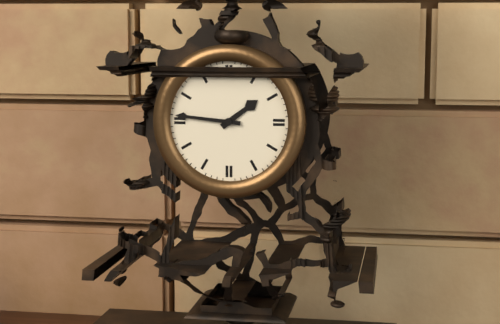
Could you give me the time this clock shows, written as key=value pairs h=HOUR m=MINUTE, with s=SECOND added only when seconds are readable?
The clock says h=1 m=46
